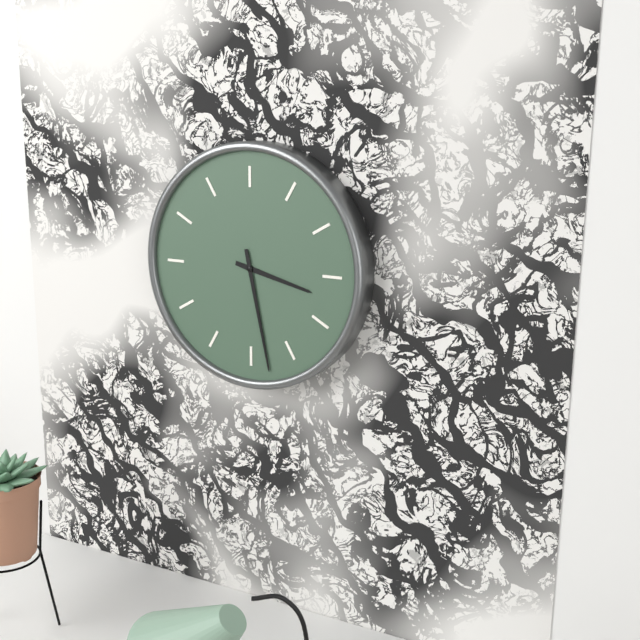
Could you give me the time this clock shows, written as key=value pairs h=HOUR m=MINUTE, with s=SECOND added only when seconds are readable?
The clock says h=3 m=28
